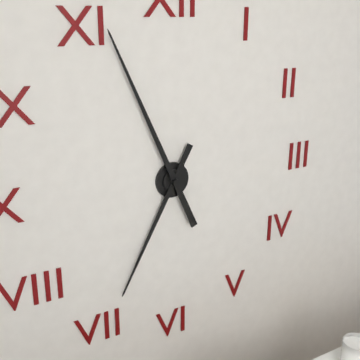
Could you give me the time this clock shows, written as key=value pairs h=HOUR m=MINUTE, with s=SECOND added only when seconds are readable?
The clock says h=6 m=56
